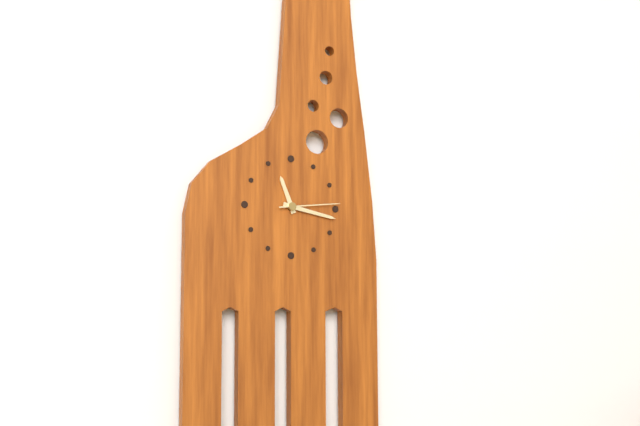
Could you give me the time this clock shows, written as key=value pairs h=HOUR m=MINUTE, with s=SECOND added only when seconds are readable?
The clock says h=11 m=17 s=14
